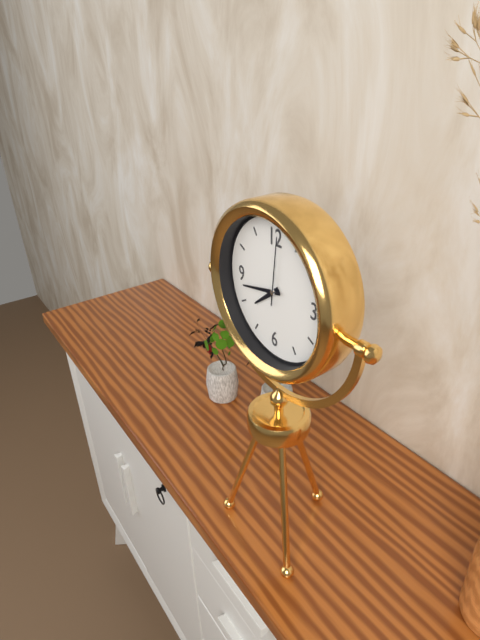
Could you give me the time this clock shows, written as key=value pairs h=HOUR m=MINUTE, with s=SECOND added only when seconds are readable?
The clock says h=7 m=43 s=1
